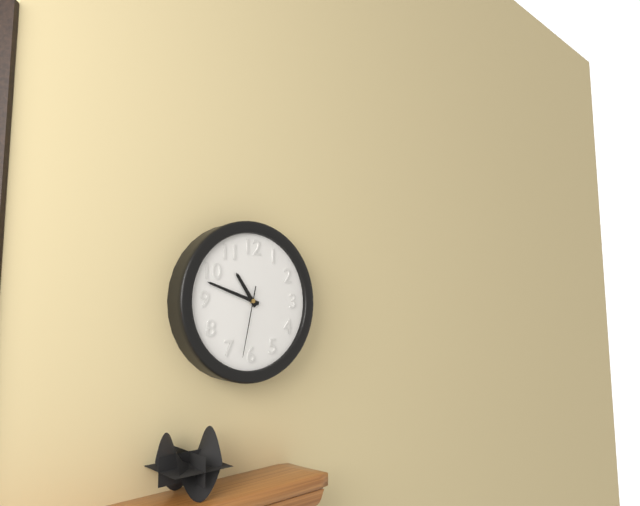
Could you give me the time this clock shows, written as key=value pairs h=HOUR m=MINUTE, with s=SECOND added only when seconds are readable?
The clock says h=10 m=48 s=32
